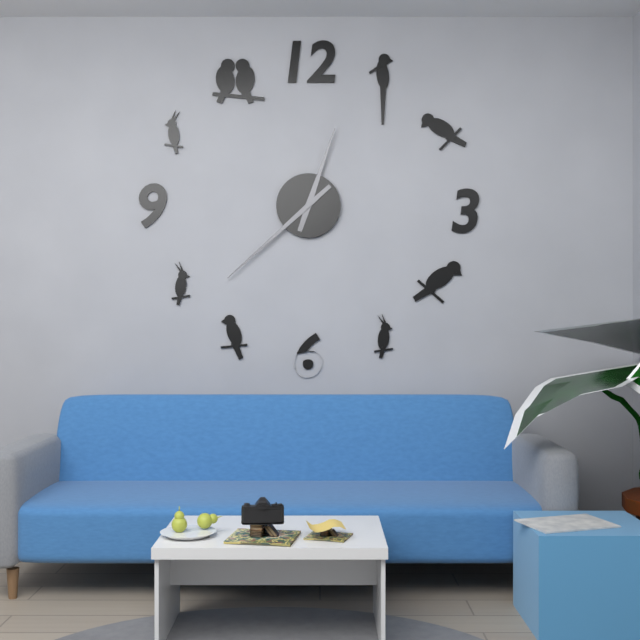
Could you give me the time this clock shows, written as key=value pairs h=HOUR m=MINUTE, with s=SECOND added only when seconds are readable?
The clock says h=12 m=38
